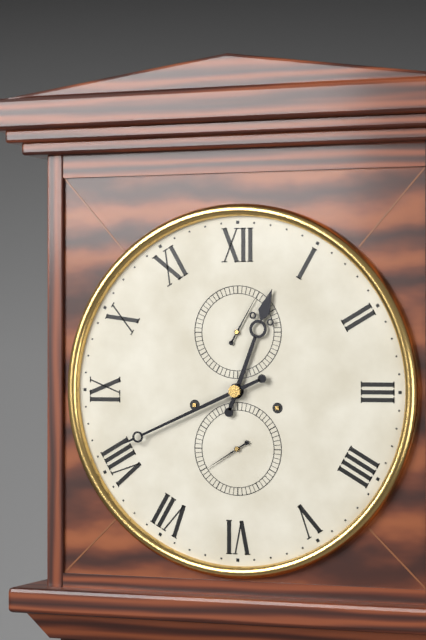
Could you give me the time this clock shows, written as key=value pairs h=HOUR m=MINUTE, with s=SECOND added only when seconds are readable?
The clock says h=12 m=41
